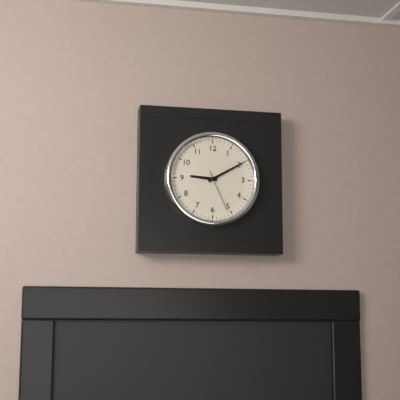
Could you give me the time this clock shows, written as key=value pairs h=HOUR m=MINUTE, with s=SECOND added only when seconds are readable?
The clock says h=9 m=10
